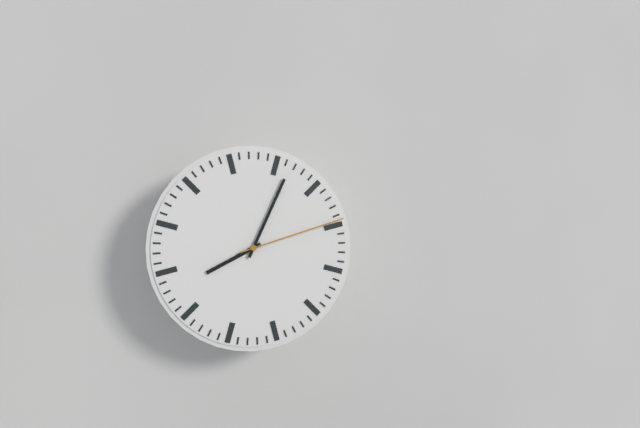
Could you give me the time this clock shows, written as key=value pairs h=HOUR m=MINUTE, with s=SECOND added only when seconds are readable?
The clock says h=8 m=4 s=12
